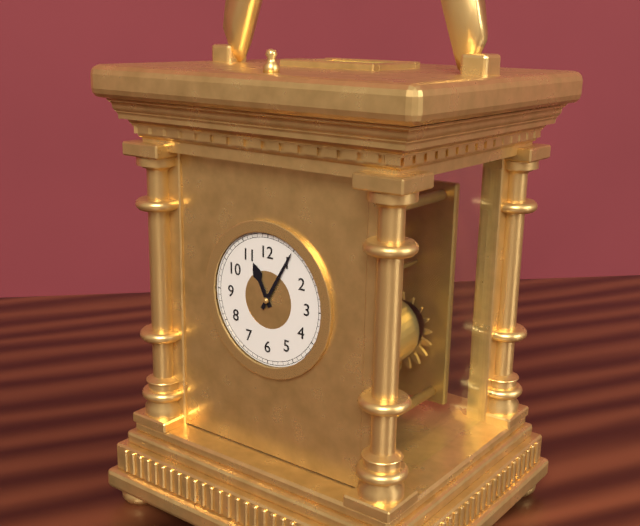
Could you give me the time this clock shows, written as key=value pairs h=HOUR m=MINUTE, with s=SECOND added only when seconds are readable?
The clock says h=11 m=5
